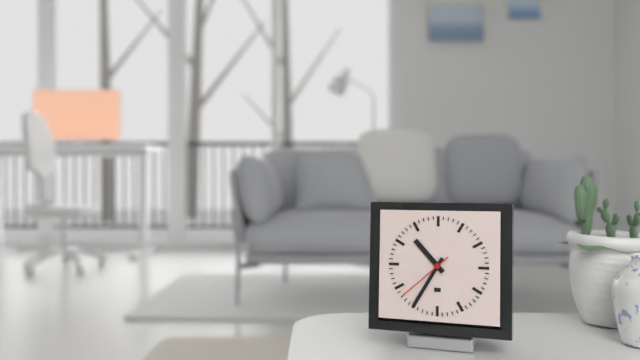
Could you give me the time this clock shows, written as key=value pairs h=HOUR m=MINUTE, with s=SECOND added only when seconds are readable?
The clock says h=10 m=35 s=38
